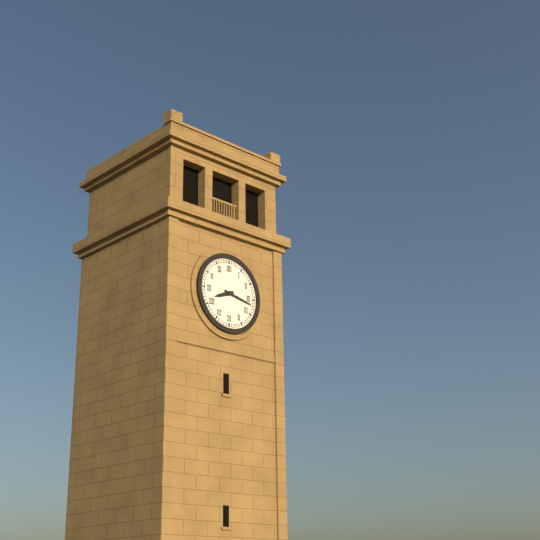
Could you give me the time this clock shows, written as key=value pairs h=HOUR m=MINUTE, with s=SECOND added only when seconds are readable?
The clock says h=8 m=17
